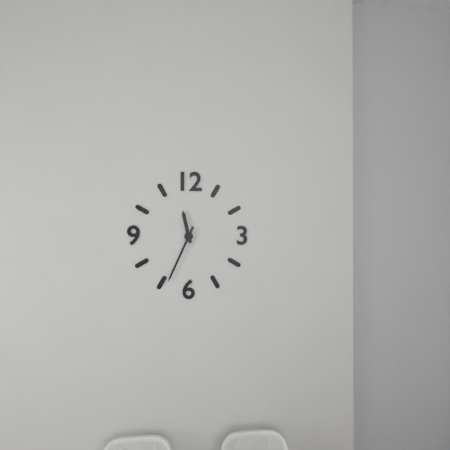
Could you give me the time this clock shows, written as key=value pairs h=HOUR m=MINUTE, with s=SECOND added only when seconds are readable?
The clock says h=11 m=34
